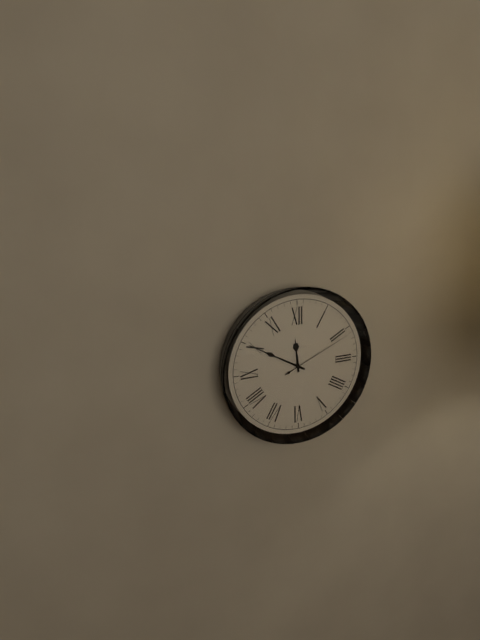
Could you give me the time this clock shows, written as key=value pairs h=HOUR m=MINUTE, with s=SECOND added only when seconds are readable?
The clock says h=11 m=50 s=11
